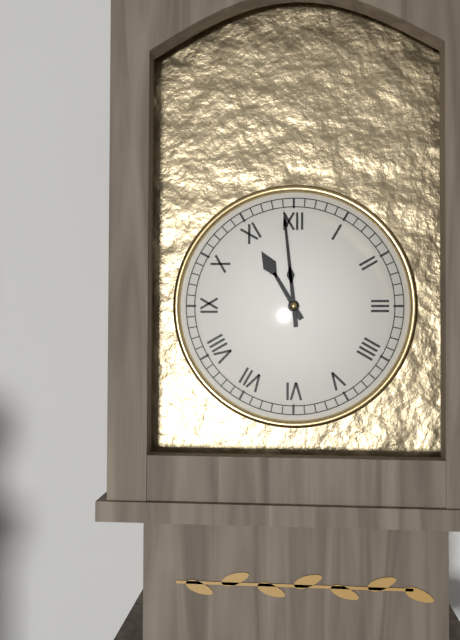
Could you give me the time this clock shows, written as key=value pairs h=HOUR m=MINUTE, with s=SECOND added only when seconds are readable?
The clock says h=10 m=59
